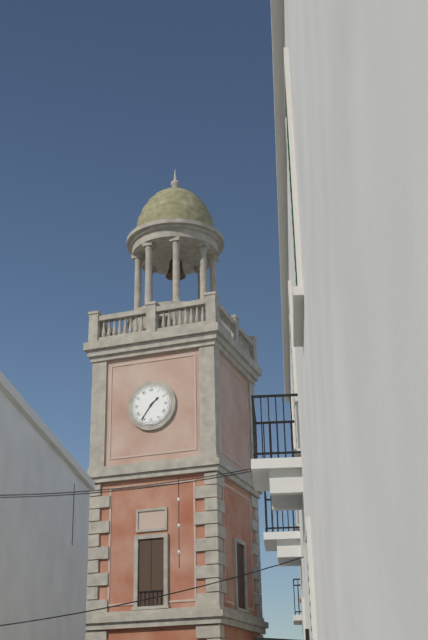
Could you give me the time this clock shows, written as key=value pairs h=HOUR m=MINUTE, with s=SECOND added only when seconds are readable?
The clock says h=1 m=36
